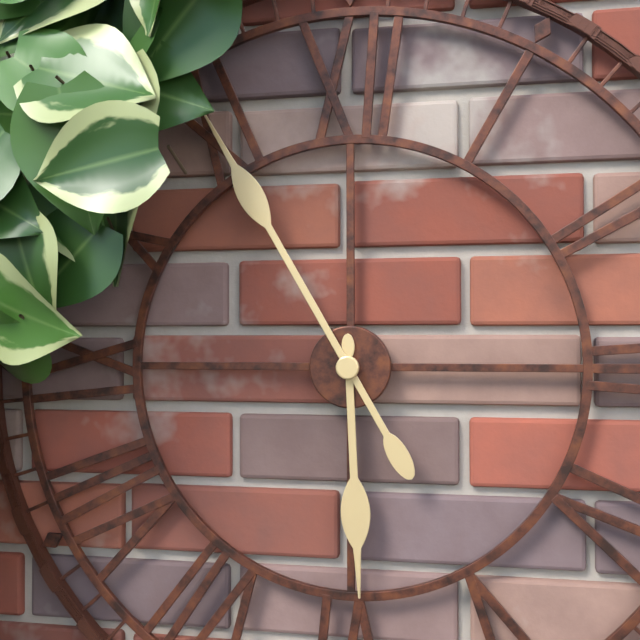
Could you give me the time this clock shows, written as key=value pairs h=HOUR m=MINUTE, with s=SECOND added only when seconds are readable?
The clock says h=5 m=55
